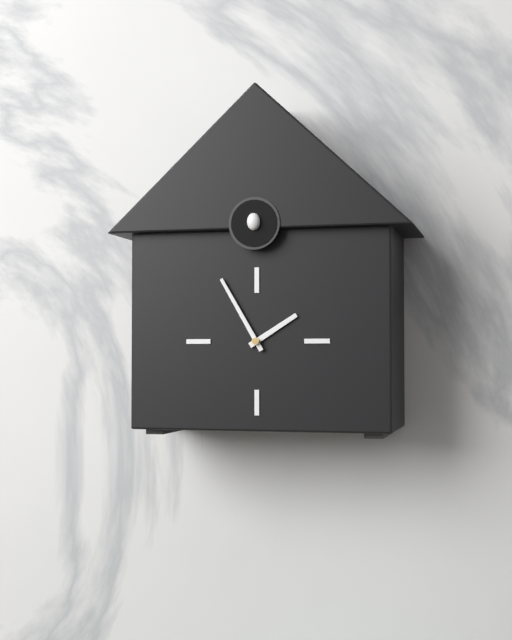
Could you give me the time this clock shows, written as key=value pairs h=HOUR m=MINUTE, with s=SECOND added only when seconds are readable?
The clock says h=1 m=55
